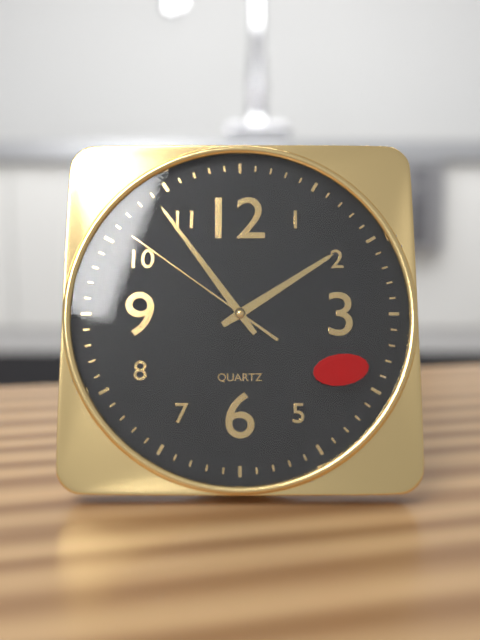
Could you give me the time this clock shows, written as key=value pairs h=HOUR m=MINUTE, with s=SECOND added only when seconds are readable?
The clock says h=1 m=54 s=51
